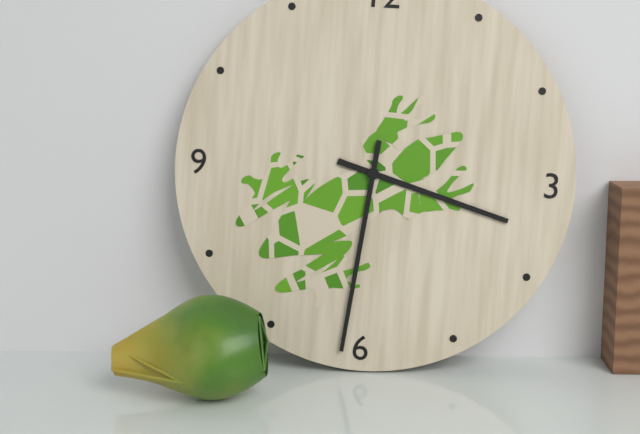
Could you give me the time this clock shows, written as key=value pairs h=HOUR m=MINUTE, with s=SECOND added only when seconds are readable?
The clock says h=3 m=31
